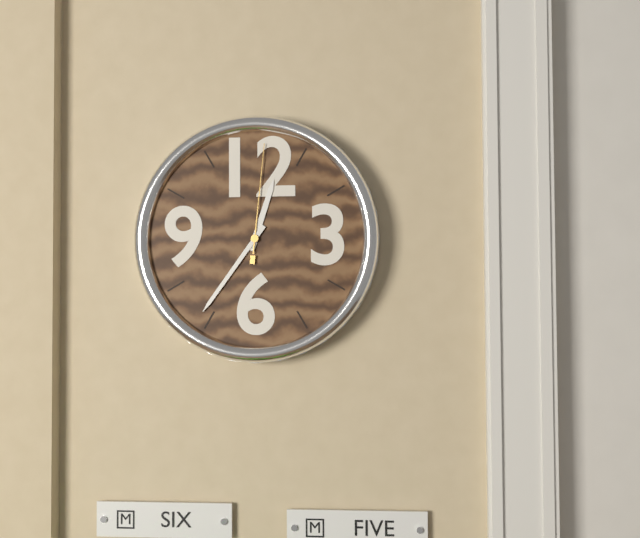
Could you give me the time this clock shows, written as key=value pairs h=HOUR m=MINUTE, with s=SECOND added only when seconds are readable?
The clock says h=12 m=36 s=1
